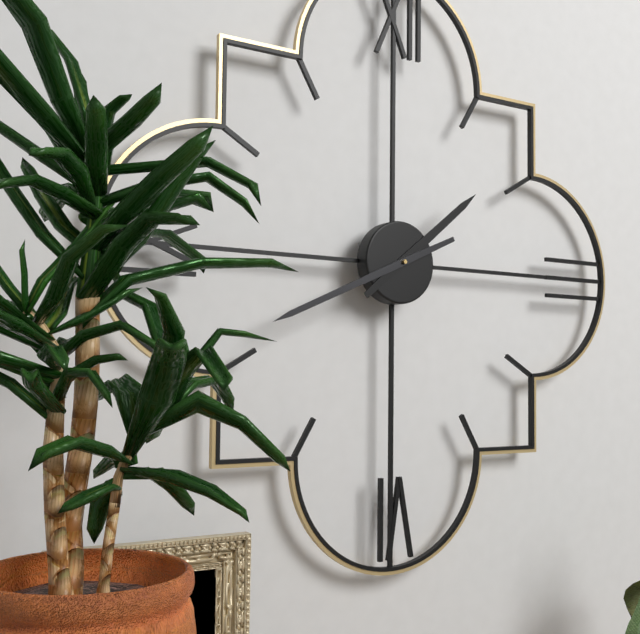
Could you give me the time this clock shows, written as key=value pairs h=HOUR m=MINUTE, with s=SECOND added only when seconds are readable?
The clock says h=1 m=41
